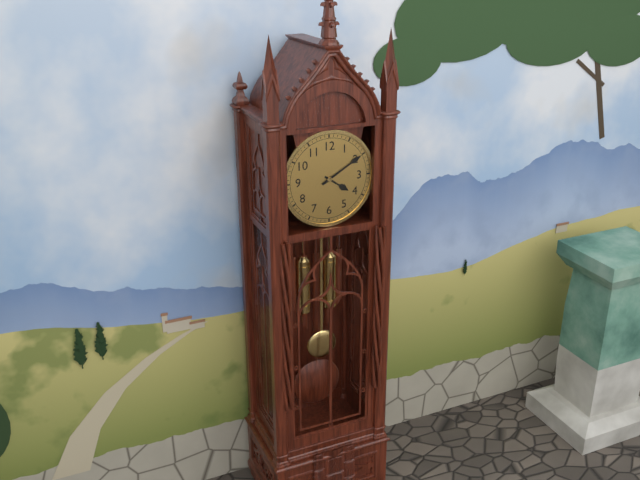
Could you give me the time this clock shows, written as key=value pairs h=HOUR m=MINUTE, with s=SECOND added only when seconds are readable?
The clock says h=4 m=10
